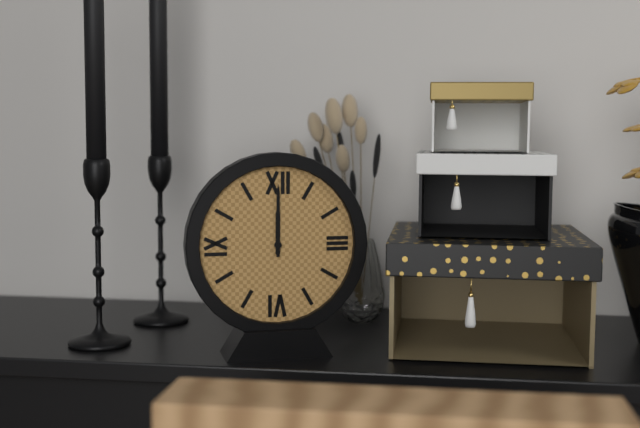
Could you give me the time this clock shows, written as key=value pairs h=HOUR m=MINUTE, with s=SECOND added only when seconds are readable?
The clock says h=12 m=0
